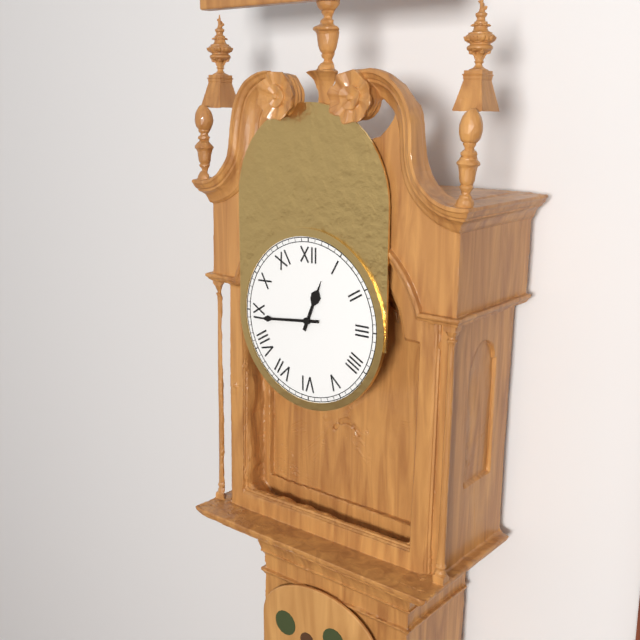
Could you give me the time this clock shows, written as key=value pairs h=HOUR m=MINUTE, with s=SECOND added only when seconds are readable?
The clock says h=12 m=44
